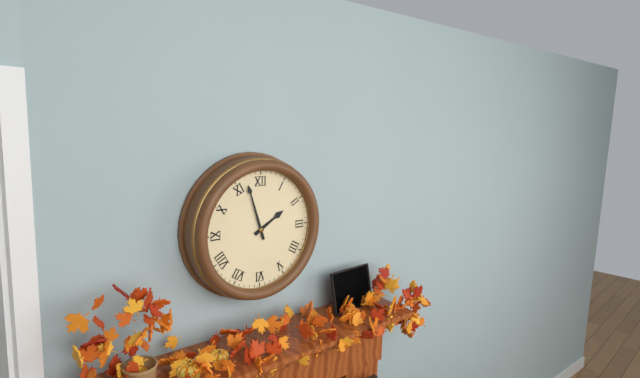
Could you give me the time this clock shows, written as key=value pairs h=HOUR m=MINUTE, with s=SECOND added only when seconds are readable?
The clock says h=1 m=57
